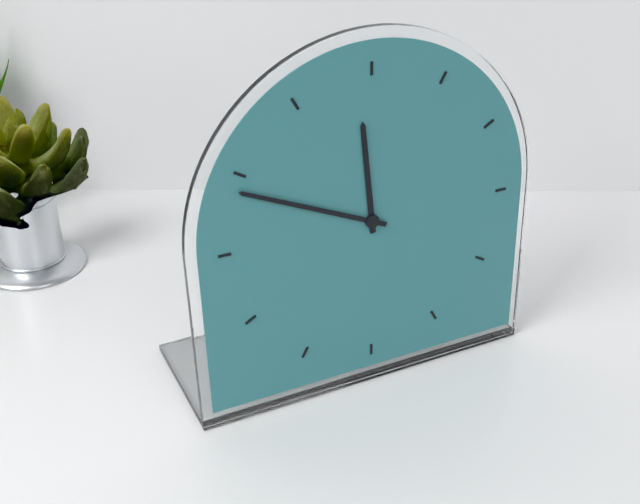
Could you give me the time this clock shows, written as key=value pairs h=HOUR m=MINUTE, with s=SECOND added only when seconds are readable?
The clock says h=11 m=49
